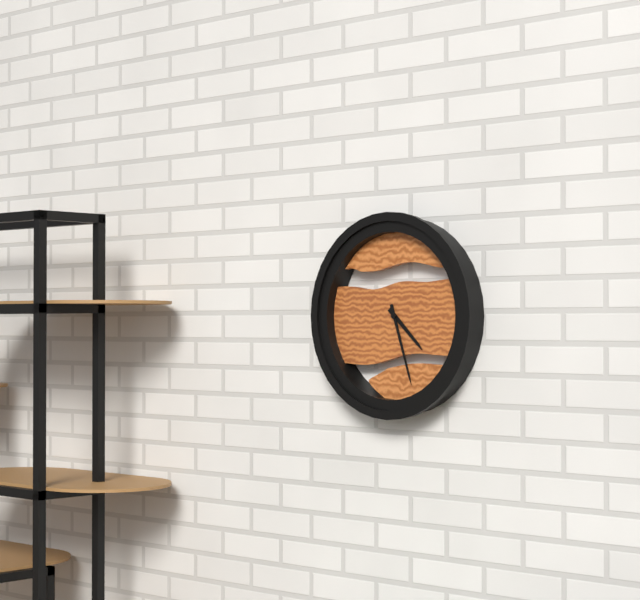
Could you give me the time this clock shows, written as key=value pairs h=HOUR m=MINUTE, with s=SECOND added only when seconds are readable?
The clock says h=4 m=27
